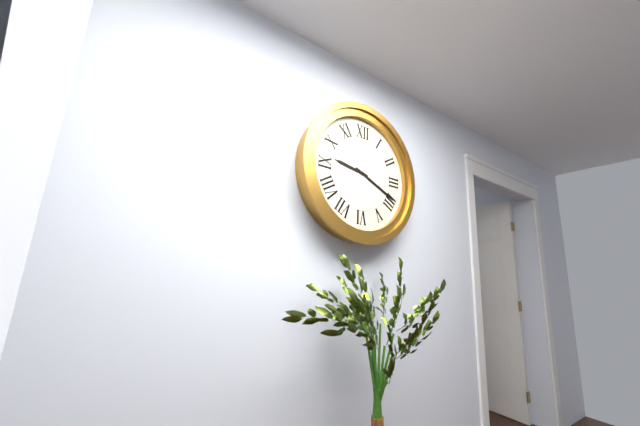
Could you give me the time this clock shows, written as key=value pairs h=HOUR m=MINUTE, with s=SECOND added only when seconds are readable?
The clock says h=9 m=19
